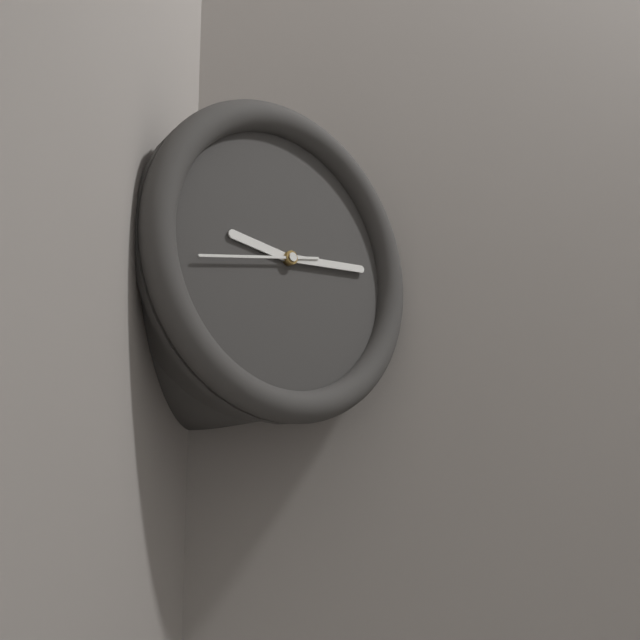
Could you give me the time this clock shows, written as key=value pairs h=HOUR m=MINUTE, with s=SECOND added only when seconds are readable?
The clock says h=9 m=14 s=43
